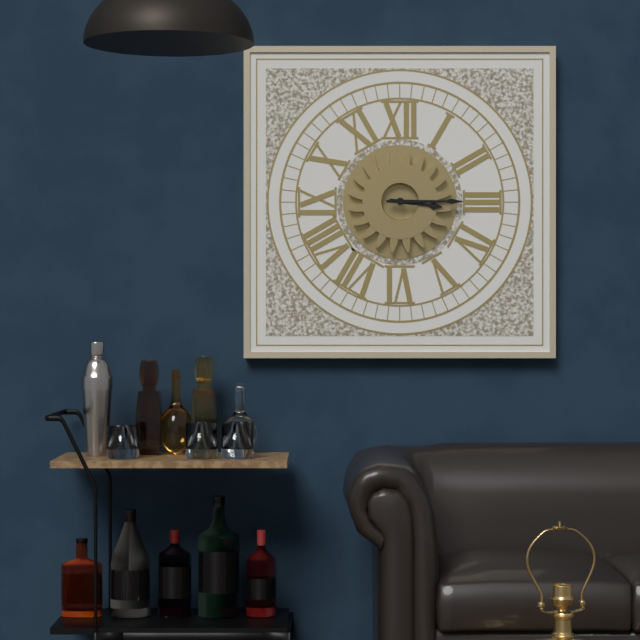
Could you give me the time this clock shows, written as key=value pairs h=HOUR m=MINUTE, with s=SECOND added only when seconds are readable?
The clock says h=3 m=15
